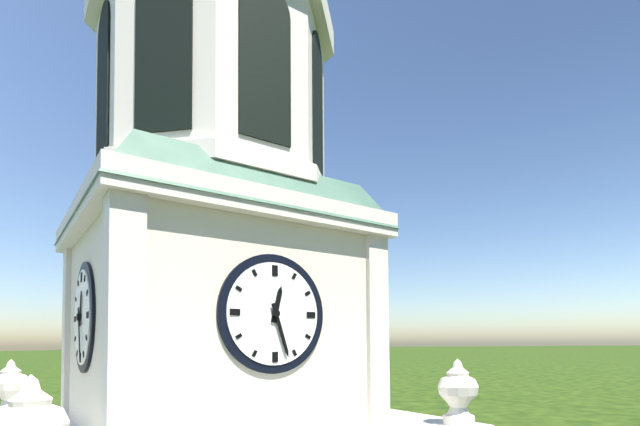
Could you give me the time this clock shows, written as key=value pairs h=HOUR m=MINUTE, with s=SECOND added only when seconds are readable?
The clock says h=12 m=27
